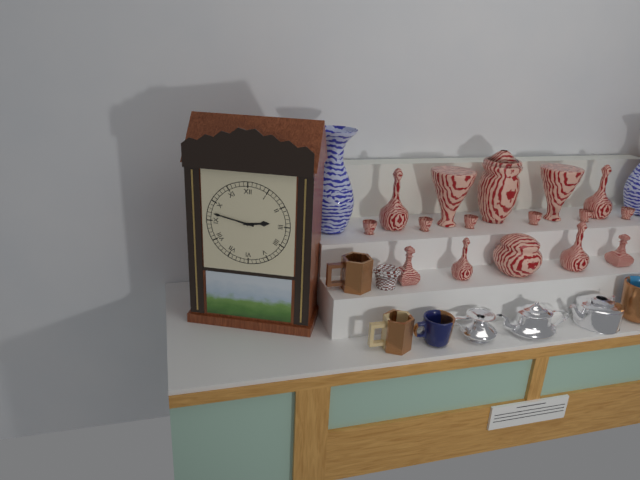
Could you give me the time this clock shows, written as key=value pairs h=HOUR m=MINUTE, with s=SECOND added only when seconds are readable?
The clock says h=2 m=47
